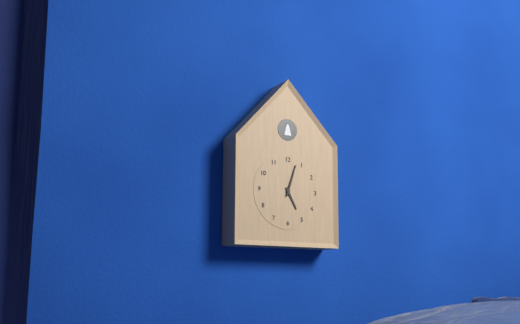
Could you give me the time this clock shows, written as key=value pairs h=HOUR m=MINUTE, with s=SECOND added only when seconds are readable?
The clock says h=5 m=3
